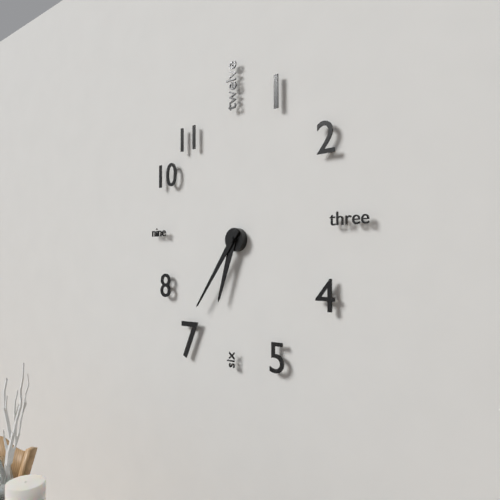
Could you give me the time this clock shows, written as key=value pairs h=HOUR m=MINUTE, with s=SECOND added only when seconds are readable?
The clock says h=6 m=36
